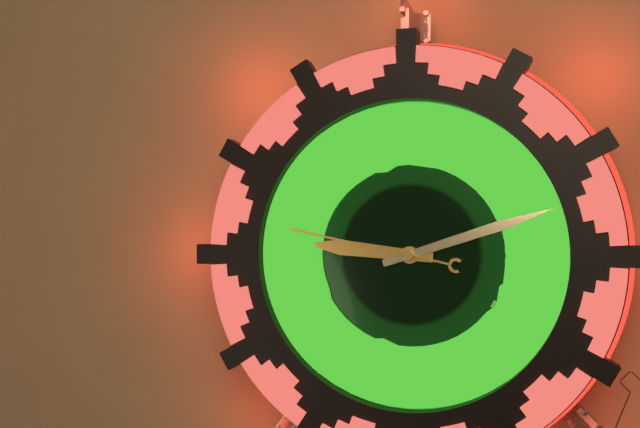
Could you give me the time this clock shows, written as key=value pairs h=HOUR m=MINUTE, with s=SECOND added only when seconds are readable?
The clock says h=9 m=12 s=47
